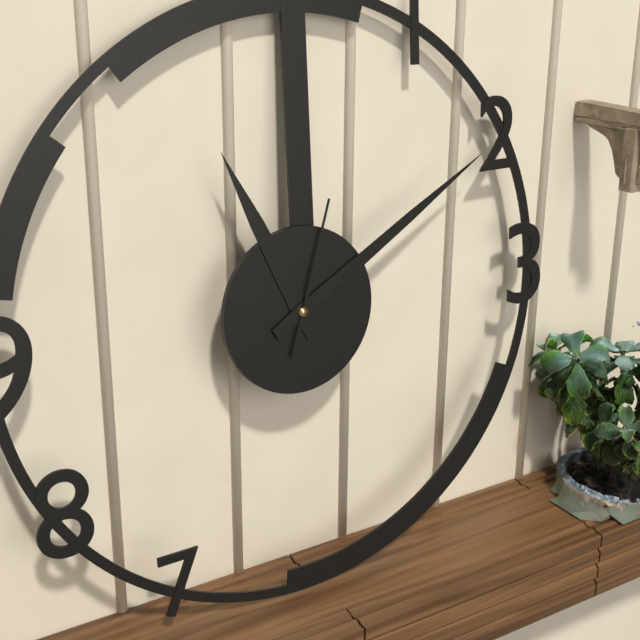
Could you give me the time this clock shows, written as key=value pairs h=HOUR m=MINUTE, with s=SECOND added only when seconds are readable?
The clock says h=11 m=10 s=3
